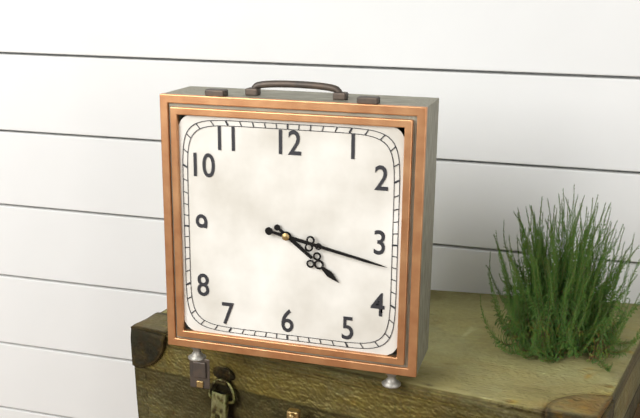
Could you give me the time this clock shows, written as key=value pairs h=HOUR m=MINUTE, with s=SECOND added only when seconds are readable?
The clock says h=4 m=17
